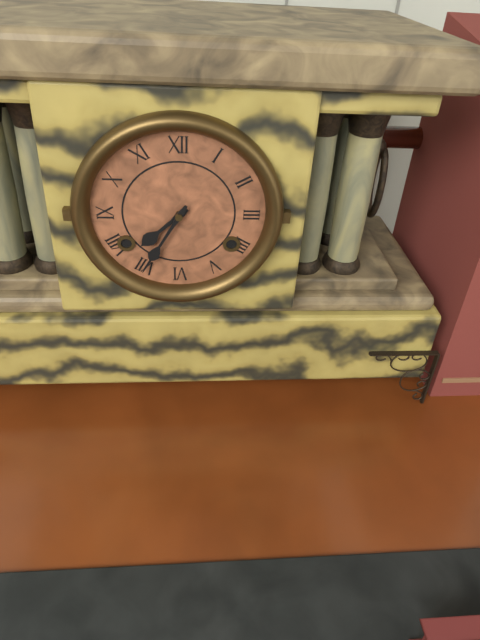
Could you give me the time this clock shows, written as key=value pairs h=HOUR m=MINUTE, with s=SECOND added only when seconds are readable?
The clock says h=7 m=35
